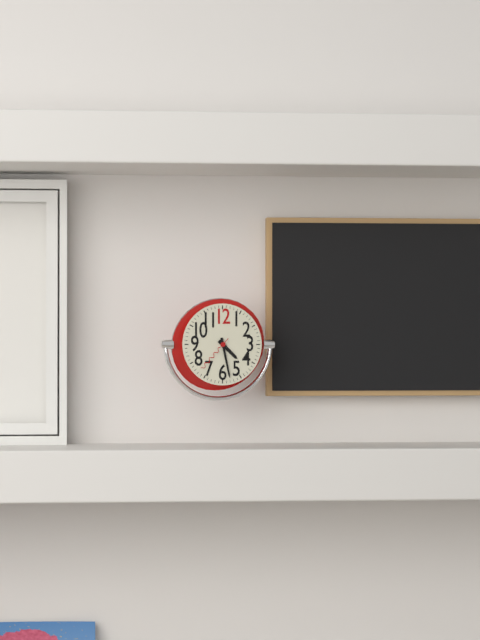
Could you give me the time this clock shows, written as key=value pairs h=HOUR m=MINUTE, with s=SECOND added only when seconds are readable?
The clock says h=4 m=28
